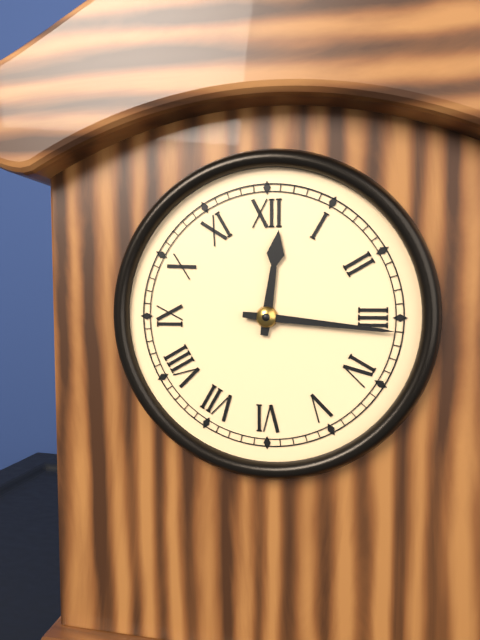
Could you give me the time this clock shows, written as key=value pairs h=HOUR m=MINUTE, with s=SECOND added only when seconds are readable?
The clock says h=12 m=16
